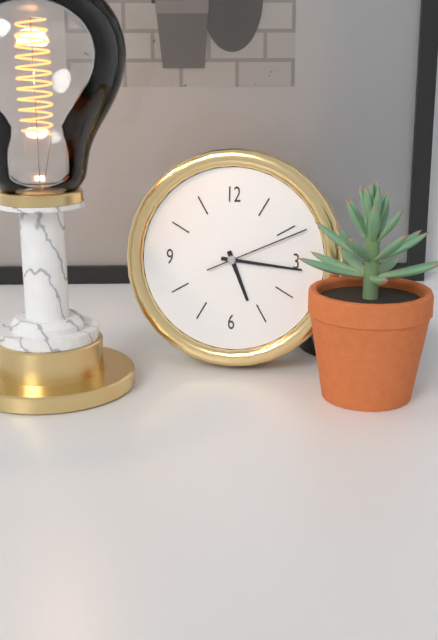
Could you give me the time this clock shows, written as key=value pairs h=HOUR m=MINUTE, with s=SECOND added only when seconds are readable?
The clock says h=5 m=16 s=11
